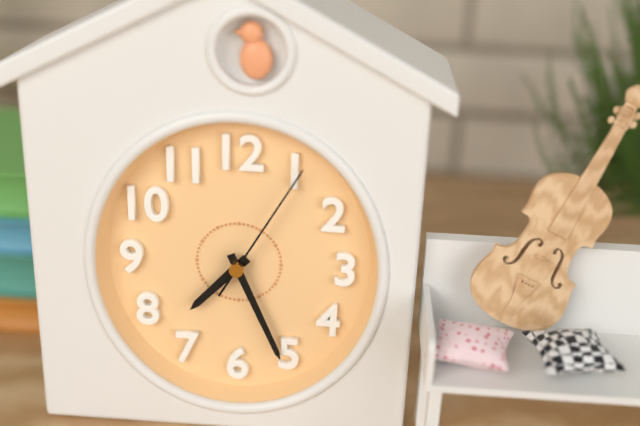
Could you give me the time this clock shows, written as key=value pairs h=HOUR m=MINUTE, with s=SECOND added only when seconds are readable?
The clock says h=7 m=26 s=5
